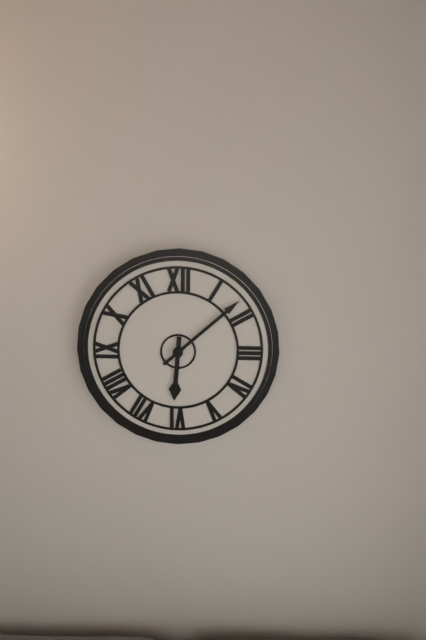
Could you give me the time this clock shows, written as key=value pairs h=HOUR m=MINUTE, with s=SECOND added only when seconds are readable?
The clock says h=6 m=8
